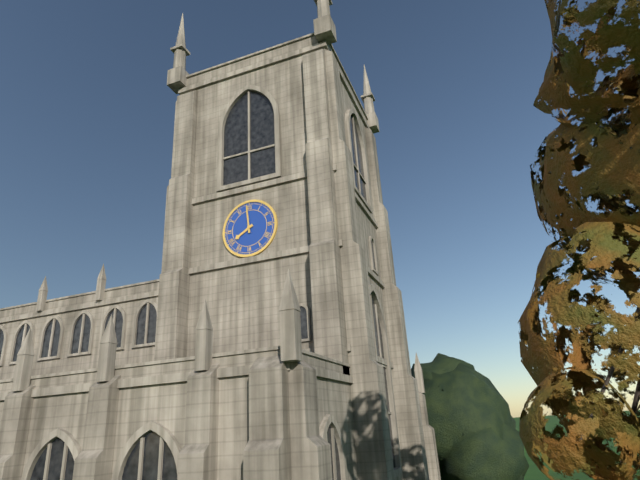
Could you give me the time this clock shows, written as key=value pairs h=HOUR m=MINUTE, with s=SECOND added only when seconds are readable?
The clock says h=7 m=59
